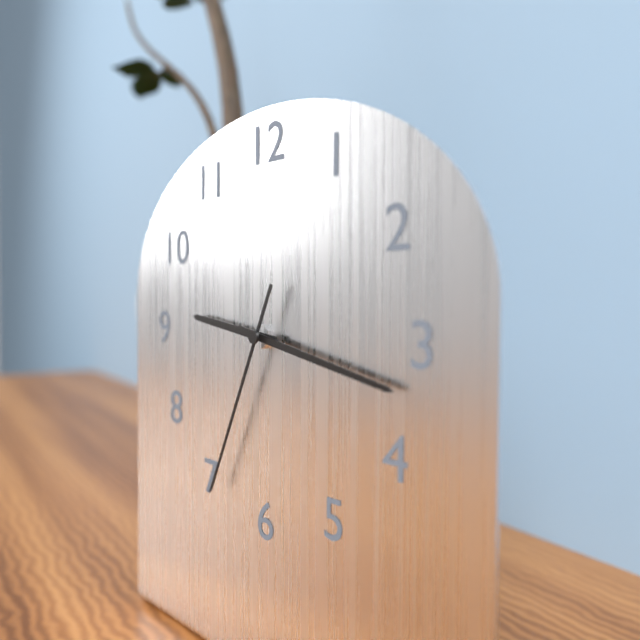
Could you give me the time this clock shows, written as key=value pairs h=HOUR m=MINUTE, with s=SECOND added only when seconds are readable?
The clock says h=9 m=17 s=34
